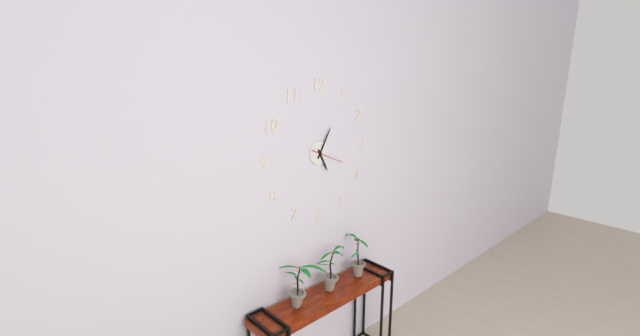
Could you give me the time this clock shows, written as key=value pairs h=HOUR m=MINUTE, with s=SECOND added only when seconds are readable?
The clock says h=5 m=5
